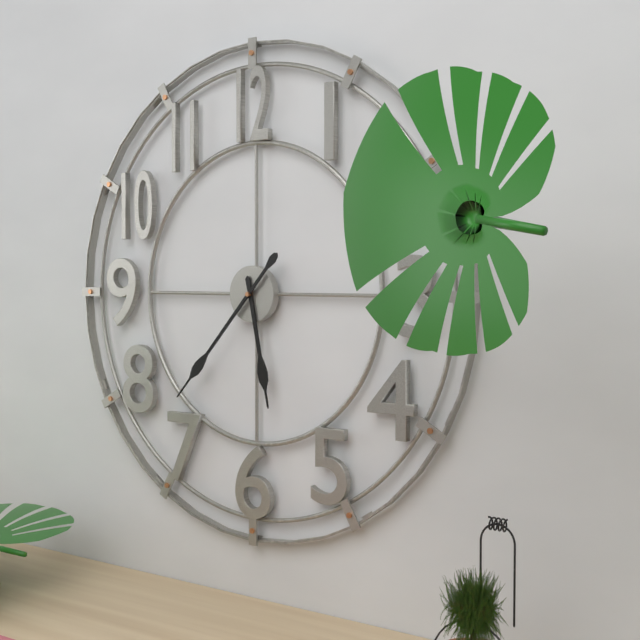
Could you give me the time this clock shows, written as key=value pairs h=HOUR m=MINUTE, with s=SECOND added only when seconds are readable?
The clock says h=5 m=37
